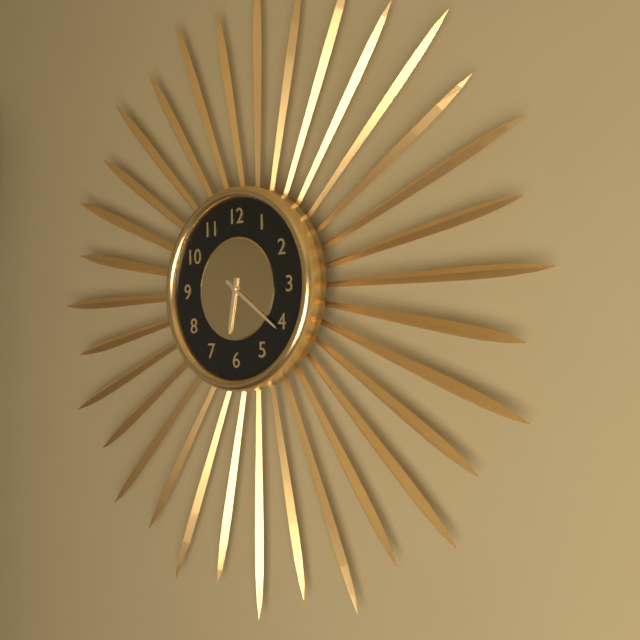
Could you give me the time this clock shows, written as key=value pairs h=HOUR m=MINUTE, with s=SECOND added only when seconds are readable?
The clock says h=6 m=21
